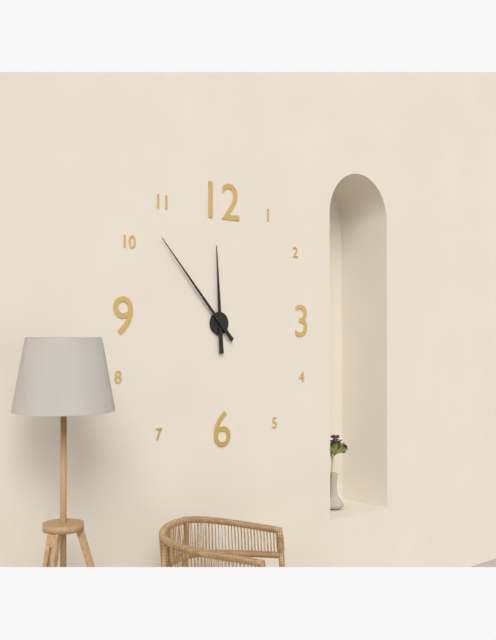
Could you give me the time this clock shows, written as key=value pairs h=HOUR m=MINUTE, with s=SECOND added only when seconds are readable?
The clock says h=11 m=53
